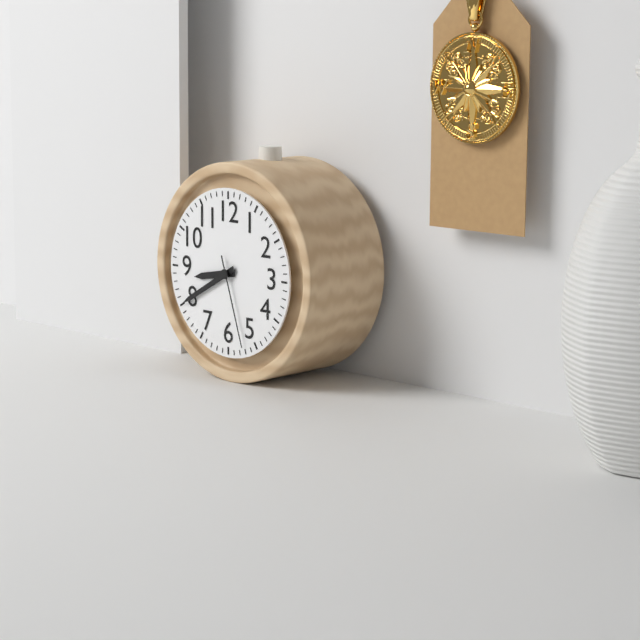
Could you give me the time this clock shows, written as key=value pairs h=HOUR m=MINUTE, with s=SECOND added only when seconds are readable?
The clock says h=8 m=40 s=27
